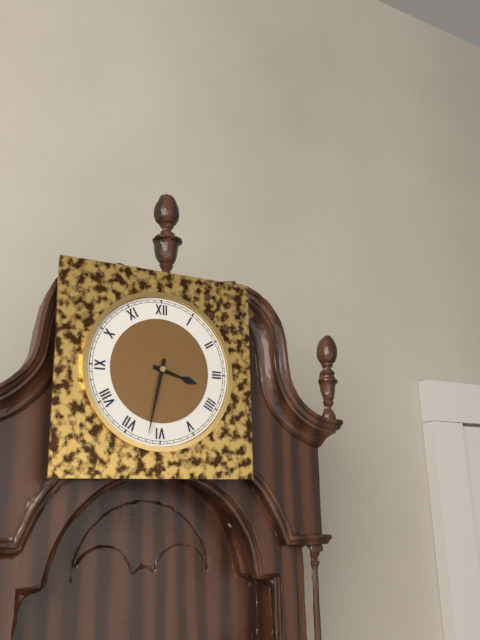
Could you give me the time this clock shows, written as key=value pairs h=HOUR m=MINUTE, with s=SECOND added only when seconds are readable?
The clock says h=3 m=32
